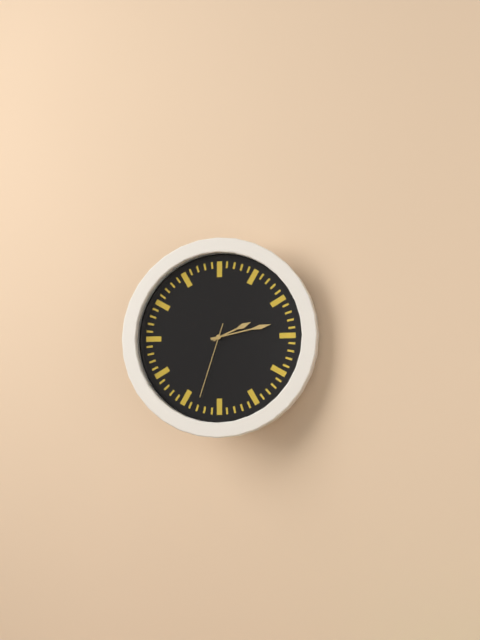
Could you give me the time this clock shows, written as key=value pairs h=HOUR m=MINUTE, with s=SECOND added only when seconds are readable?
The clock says h=2 m=13 s=33
